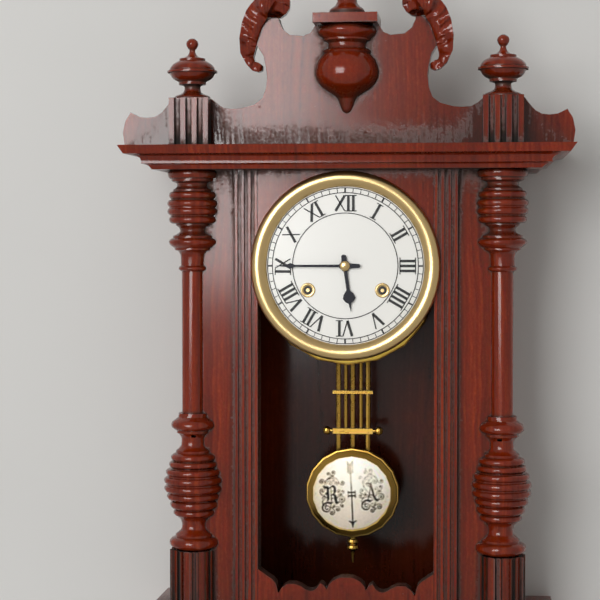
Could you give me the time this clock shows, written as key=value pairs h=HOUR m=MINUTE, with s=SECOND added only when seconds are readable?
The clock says h=5 m=45
